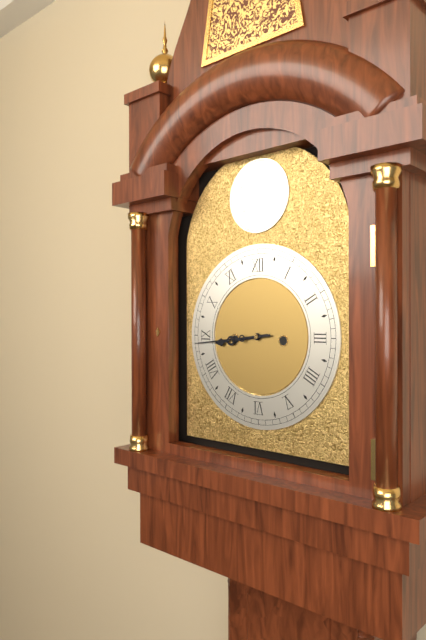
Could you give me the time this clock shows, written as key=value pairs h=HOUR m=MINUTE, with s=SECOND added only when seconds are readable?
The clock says h=8 m=44
